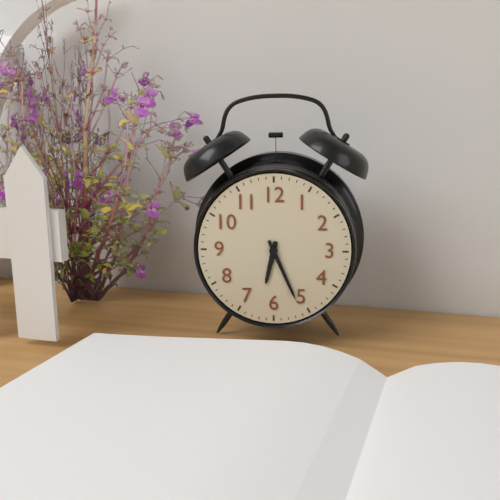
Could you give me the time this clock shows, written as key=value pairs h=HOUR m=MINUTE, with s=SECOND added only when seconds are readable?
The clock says h=6 m=26
